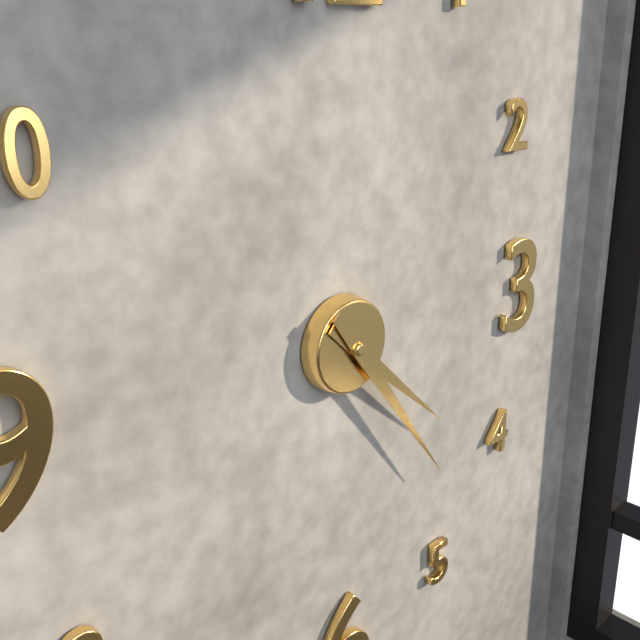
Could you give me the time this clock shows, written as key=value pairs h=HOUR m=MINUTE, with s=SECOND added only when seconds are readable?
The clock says h=4 m=24
